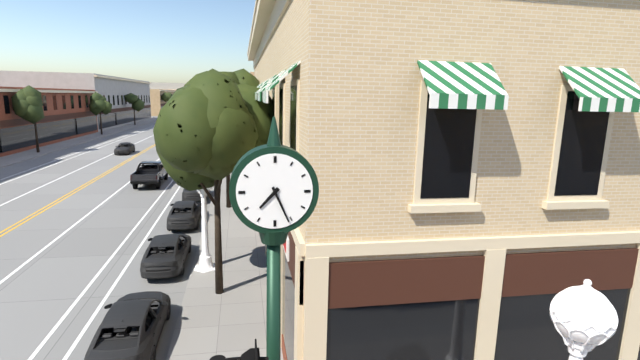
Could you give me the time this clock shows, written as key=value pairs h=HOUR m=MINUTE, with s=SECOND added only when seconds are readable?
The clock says h=7 m=26
